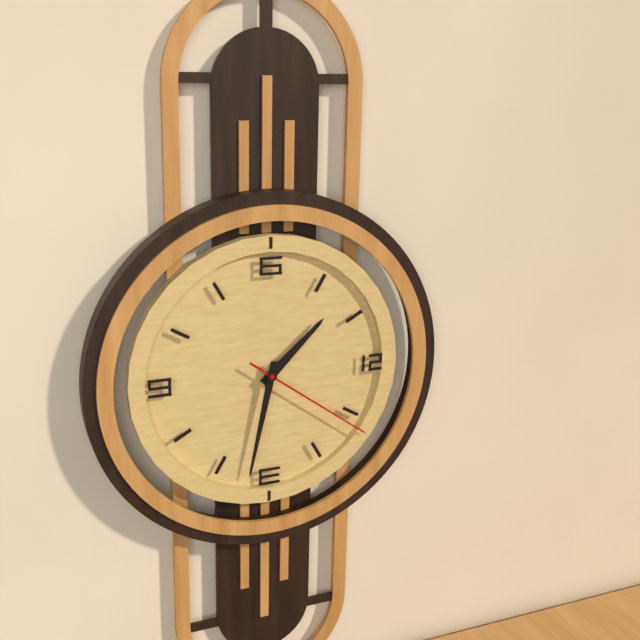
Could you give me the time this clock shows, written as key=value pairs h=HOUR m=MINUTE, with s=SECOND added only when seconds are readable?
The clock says h=1 m=32 s=21
